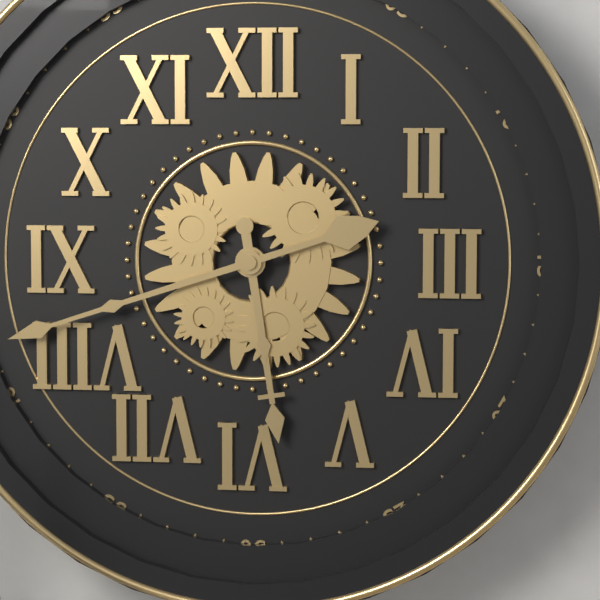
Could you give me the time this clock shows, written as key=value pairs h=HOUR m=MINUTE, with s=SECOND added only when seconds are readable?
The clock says h=5 m=42
